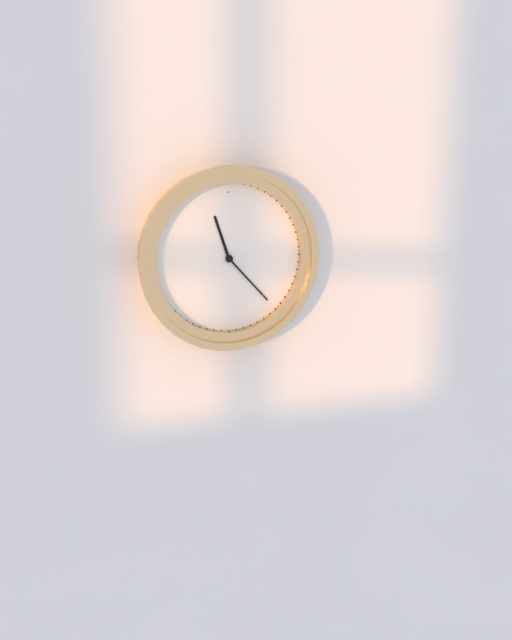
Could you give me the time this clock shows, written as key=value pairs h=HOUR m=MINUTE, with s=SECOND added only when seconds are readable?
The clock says h=11 m=23
